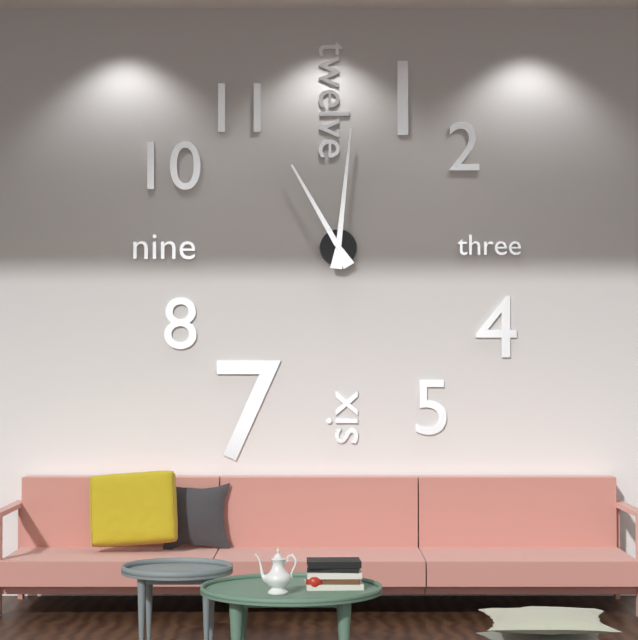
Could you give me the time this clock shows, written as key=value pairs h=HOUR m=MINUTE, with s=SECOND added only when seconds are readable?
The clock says h=11 m=1
